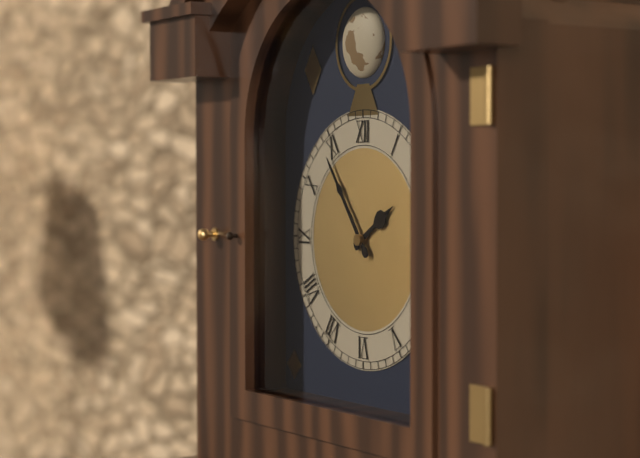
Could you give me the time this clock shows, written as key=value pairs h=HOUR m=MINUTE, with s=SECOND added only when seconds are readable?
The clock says h=1 m=54
